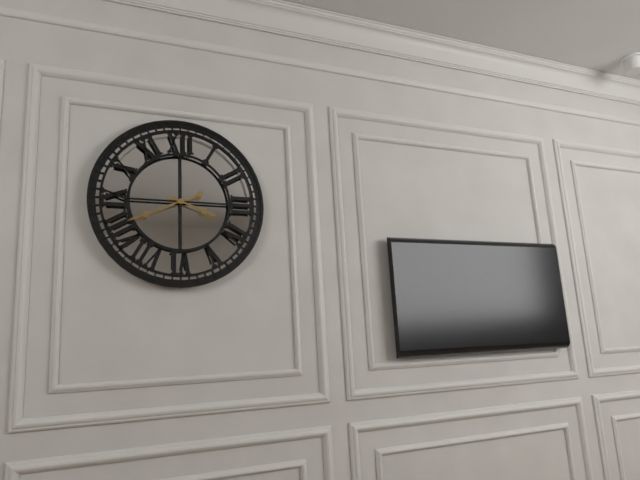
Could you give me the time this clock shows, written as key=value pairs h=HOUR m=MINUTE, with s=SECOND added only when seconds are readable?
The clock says h=3 m=41
